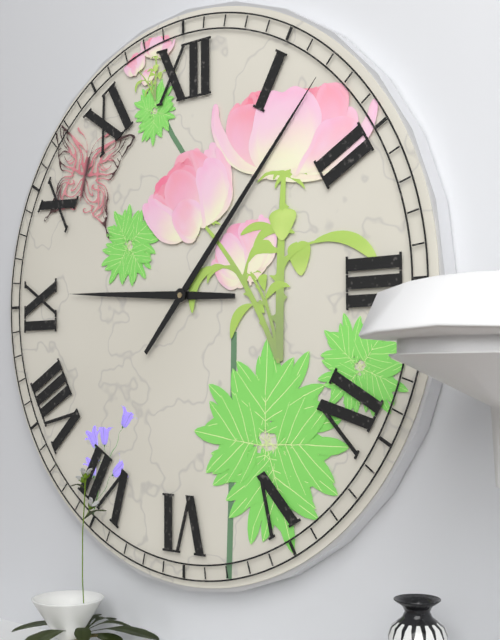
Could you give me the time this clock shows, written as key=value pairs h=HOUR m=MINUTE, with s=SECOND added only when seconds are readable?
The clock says h=9 m=7
